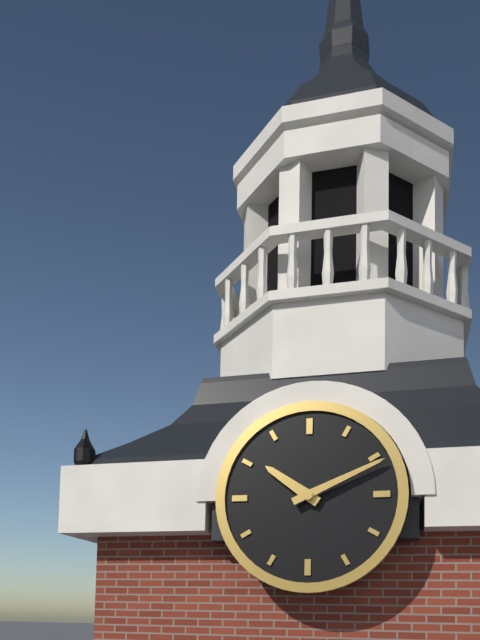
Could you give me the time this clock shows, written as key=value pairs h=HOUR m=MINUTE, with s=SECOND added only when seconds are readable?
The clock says h=10 m=11
